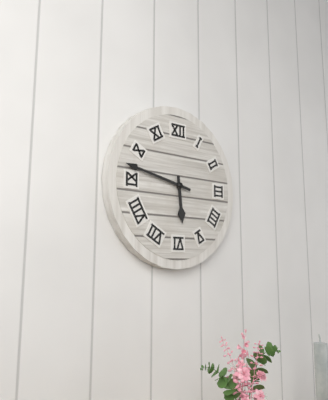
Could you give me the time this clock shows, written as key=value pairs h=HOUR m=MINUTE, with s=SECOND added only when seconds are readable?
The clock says h=5 m=47
